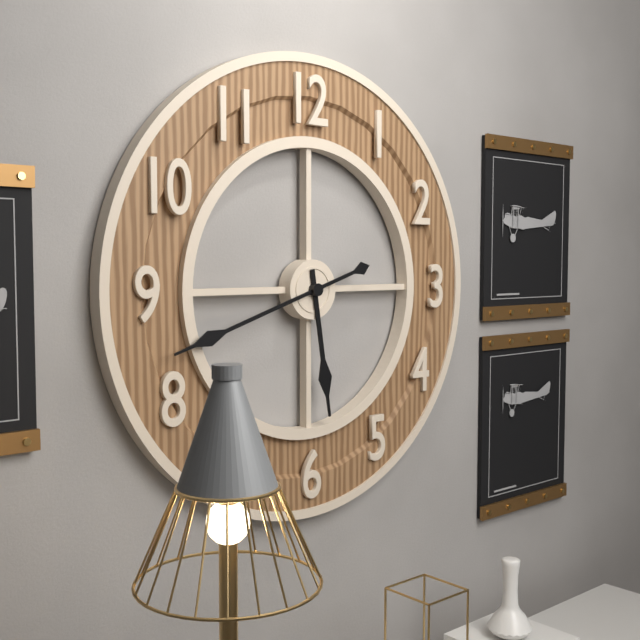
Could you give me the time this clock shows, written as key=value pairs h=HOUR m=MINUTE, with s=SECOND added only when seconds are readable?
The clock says h=5 m=42
